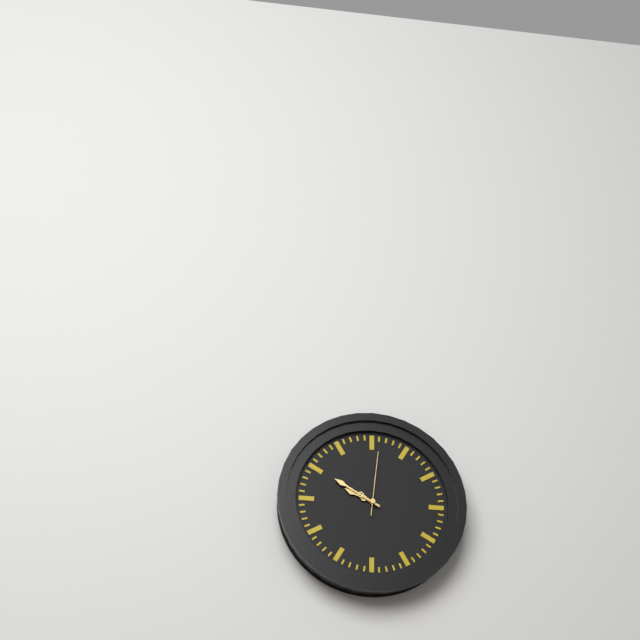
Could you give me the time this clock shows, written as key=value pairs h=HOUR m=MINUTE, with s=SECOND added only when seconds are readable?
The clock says h=9 m=50 s=1
